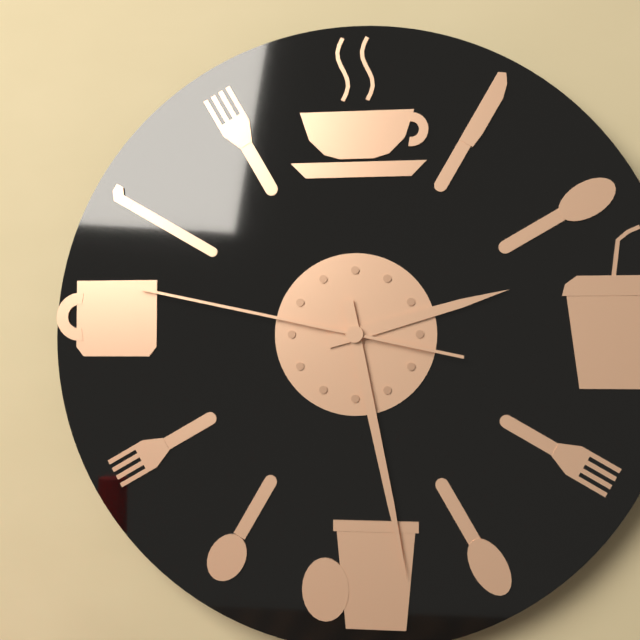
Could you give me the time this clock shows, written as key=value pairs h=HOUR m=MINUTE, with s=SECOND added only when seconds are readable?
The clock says h=2 m=28 s=47
